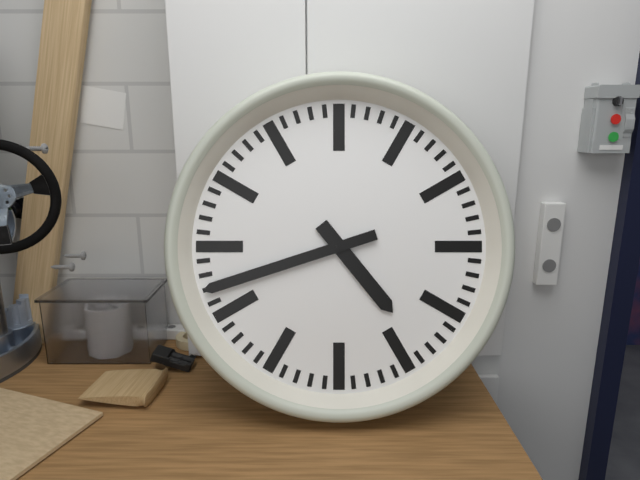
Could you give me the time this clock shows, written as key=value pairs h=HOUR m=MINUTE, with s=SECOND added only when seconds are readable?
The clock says h=4 m=42
